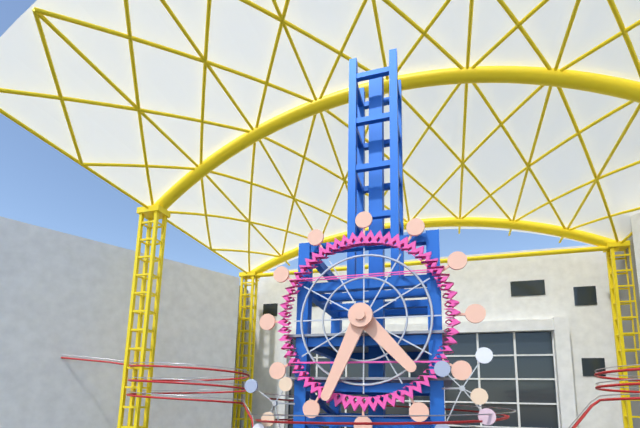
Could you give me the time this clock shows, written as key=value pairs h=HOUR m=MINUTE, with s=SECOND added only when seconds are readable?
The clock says h=4 m=34
